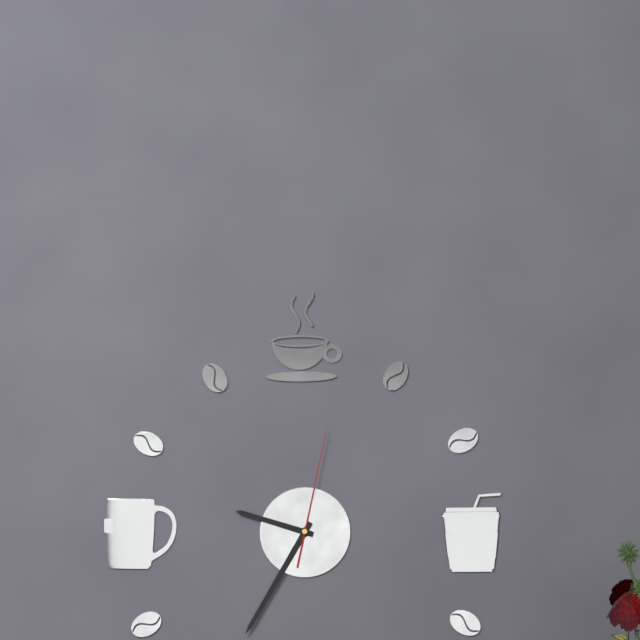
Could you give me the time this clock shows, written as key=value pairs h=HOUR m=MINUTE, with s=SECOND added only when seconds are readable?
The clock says h=9 m=35 s=2
